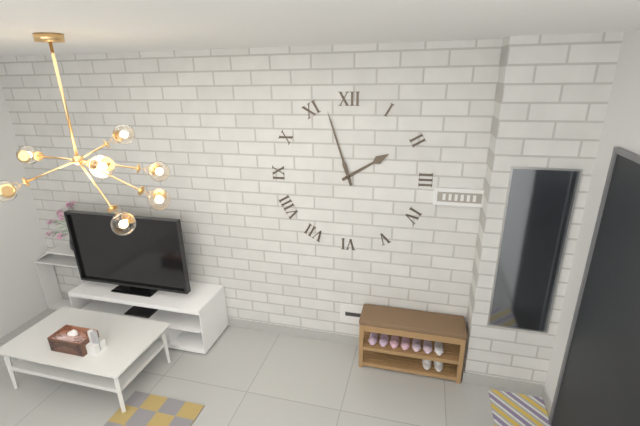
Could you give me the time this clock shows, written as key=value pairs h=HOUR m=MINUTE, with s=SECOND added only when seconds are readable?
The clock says h=1 m=57
